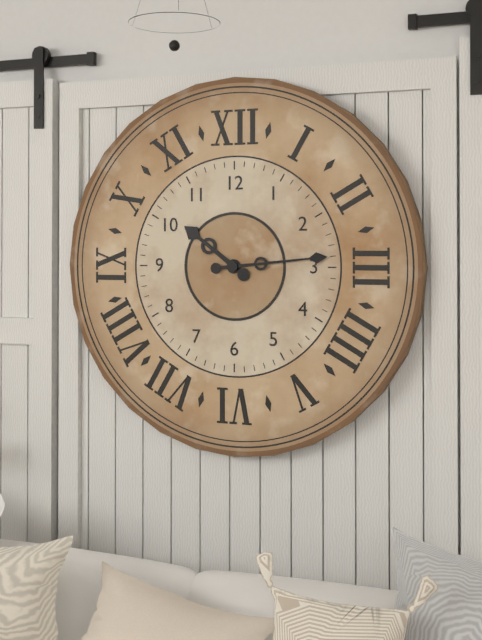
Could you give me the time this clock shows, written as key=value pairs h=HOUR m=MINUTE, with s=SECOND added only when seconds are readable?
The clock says h=10 m=14
